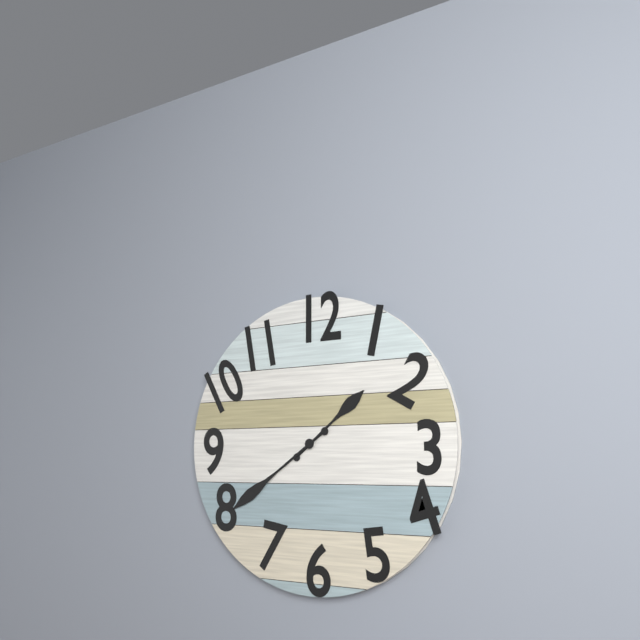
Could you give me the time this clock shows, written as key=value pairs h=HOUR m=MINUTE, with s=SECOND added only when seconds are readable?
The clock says h=1 m=39
